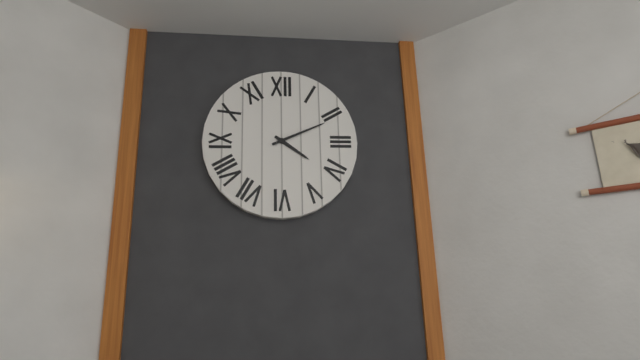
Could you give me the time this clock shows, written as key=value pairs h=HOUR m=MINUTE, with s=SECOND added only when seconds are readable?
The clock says h=4 m=11
